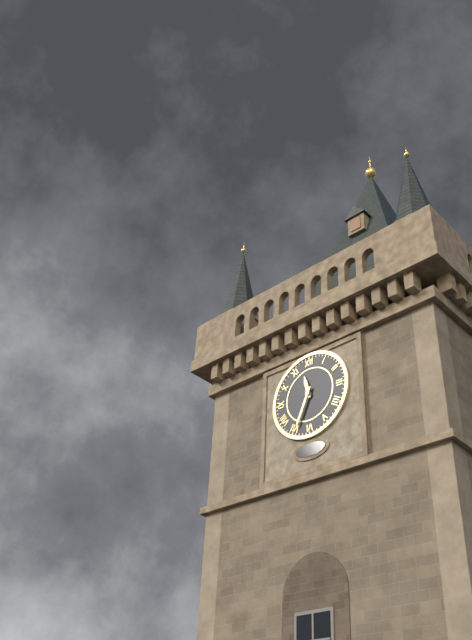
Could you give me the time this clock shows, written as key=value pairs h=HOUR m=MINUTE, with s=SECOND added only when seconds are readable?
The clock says h=11 m=34
